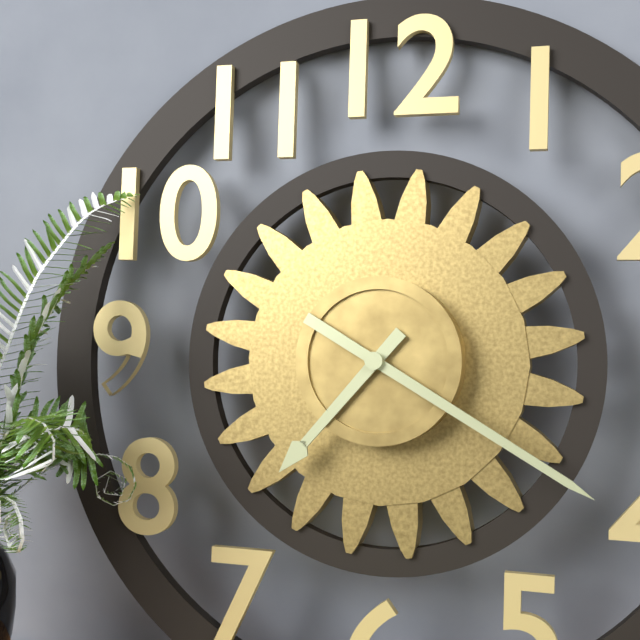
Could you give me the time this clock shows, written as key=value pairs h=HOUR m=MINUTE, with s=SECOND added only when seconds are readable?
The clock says h=7 m=20
